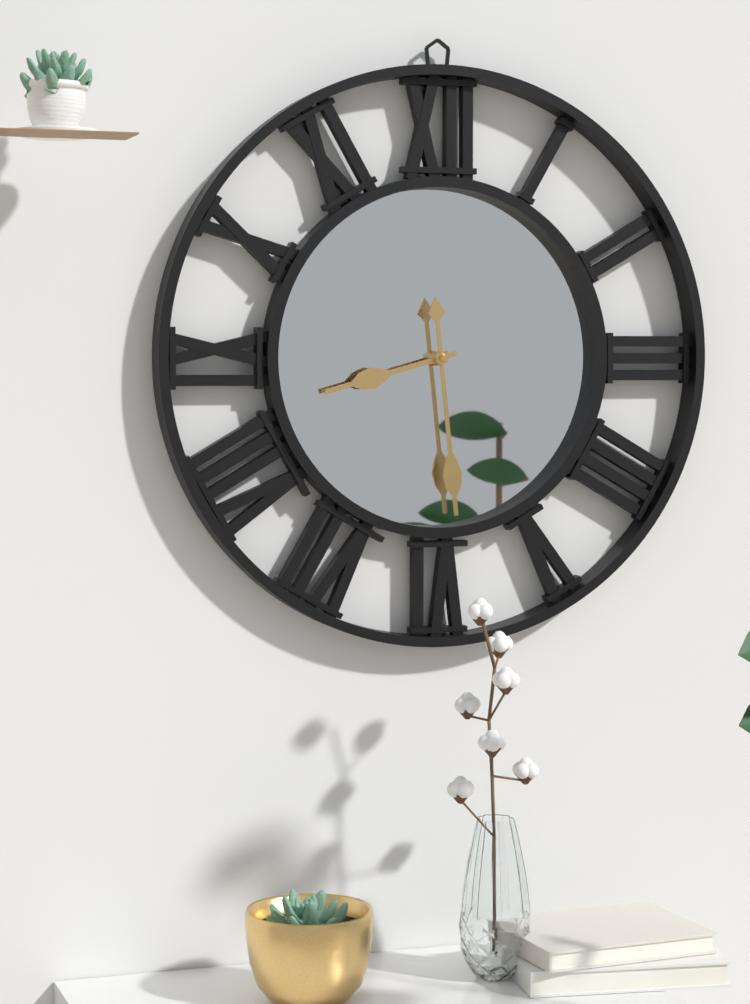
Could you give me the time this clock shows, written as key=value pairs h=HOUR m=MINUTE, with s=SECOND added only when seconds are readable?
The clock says h=8 m=29
